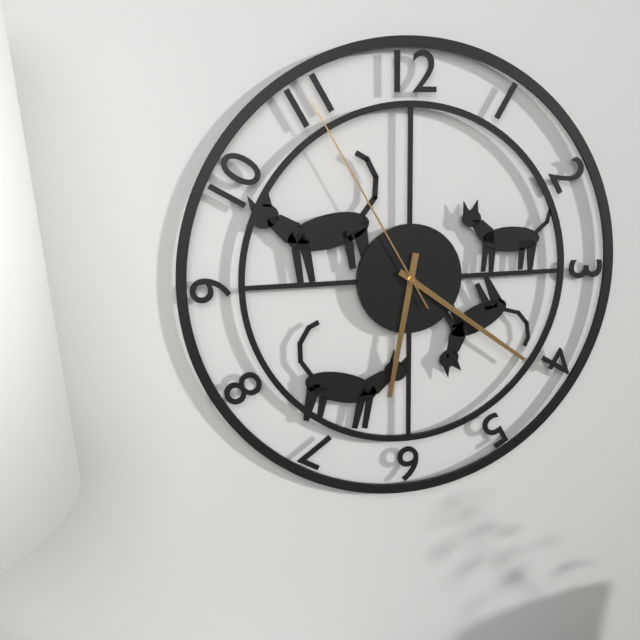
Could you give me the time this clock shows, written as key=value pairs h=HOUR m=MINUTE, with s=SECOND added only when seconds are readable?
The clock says h=6 m=21 s=55
